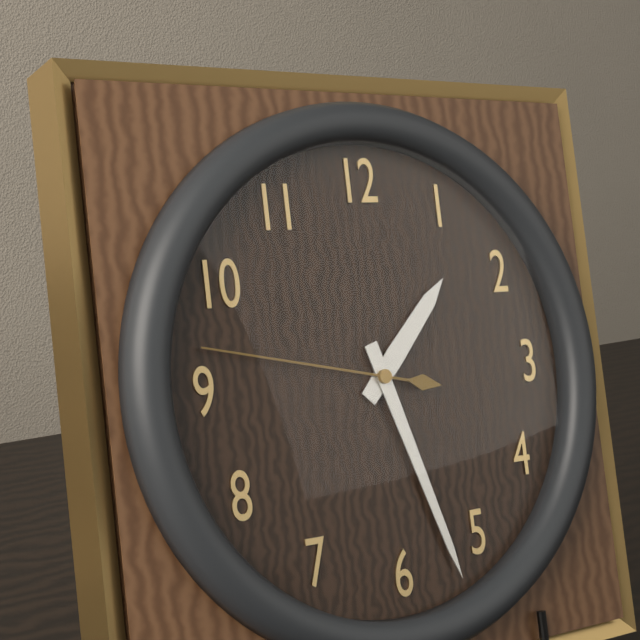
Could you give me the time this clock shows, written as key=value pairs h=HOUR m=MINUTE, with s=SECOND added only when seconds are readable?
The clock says h=1 m=27 s=47
